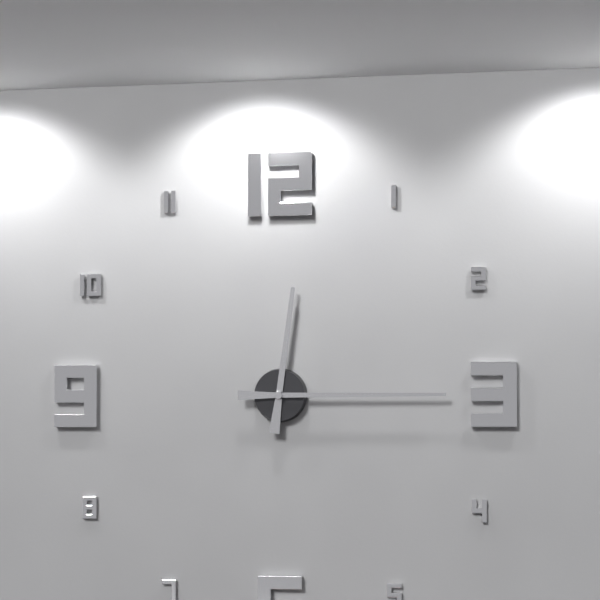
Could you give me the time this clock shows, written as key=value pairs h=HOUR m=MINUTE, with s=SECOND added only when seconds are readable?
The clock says h=12 m=15
